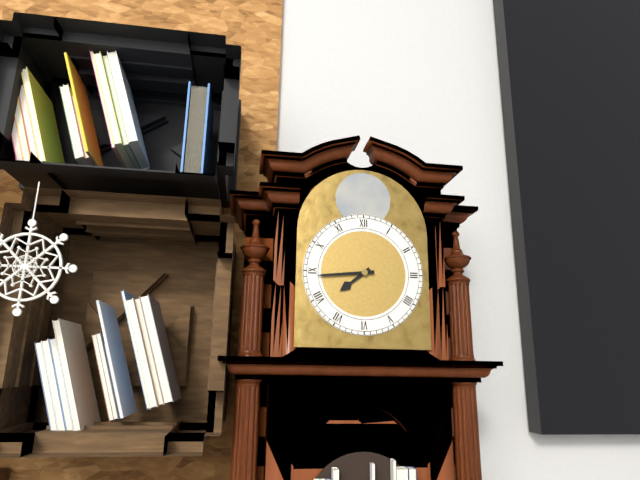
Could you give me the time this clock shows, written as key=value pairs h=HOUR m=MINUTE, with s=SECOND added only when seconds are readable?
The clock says h=7 m=44
